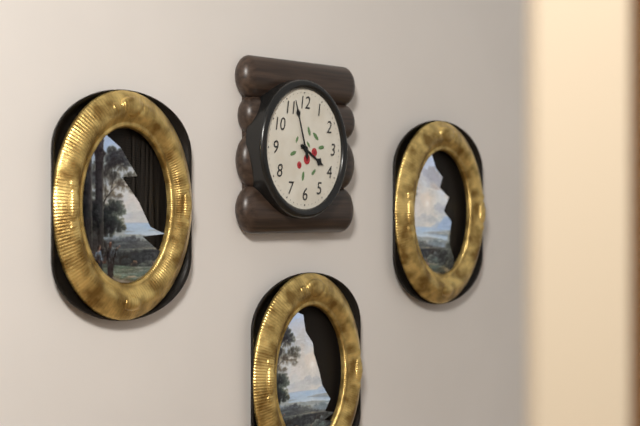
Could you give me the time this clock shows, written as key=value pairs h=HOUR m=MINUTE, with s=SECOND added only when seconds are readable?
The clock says h=3 m=57
